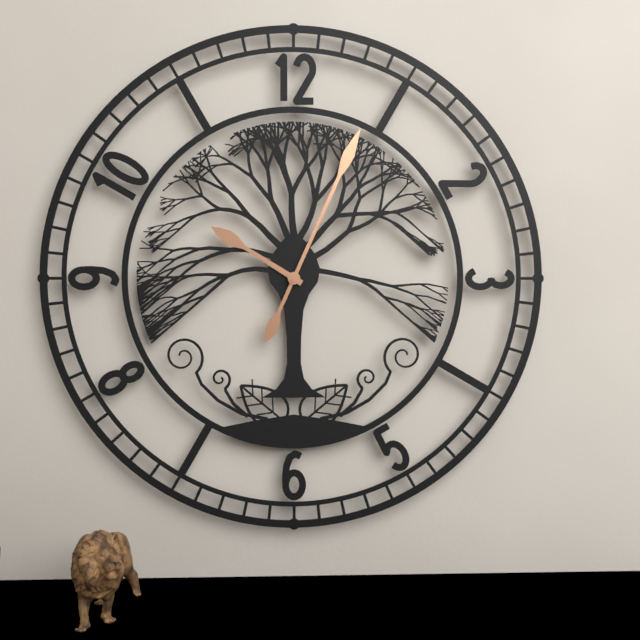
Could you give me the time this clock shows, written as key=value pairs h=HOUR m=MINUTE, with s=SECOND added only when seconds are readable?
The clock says h=10 m=4
